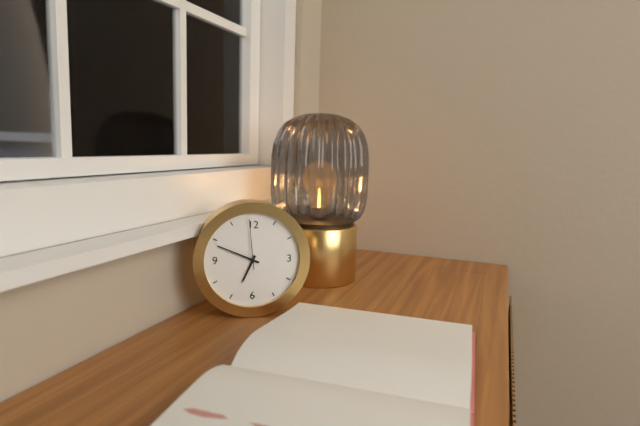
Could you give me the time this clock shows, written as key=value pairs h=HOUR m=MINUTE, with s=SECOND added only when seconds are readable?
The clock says h=6 m=49
